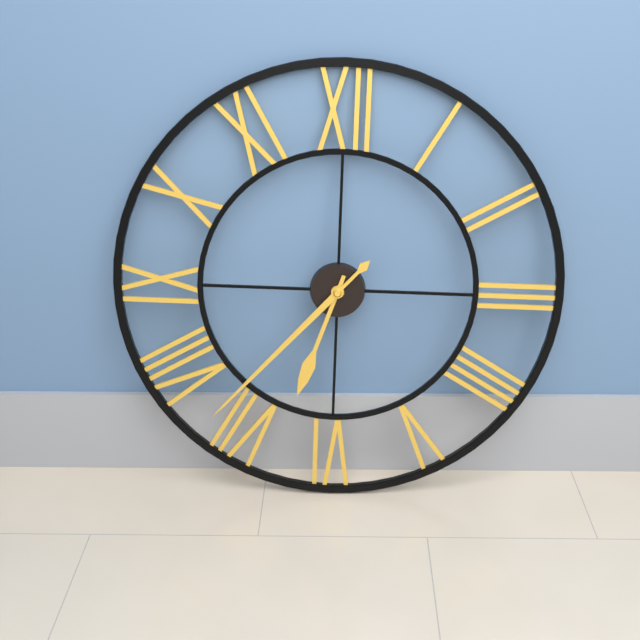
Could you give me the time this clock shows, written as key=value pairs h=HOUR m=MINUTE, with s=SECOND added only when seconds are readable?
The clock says h=6 m=37
